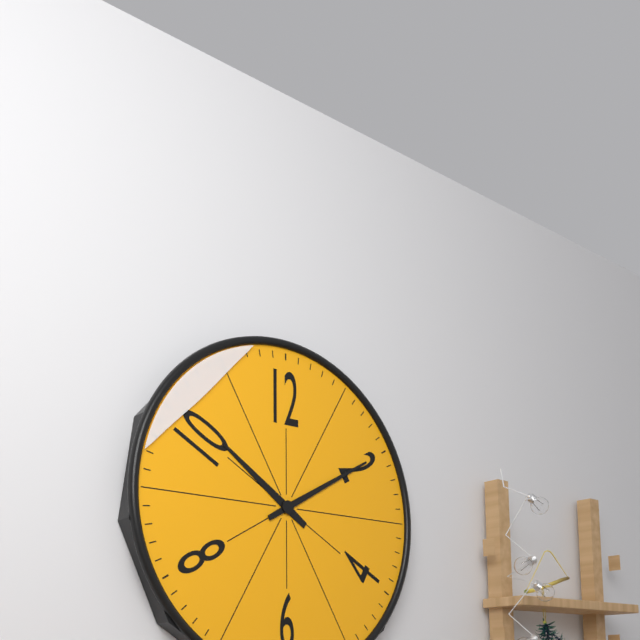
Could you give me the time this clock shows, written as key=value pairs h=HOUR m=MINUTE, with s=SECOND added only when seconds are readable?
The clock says h=10 m=10
